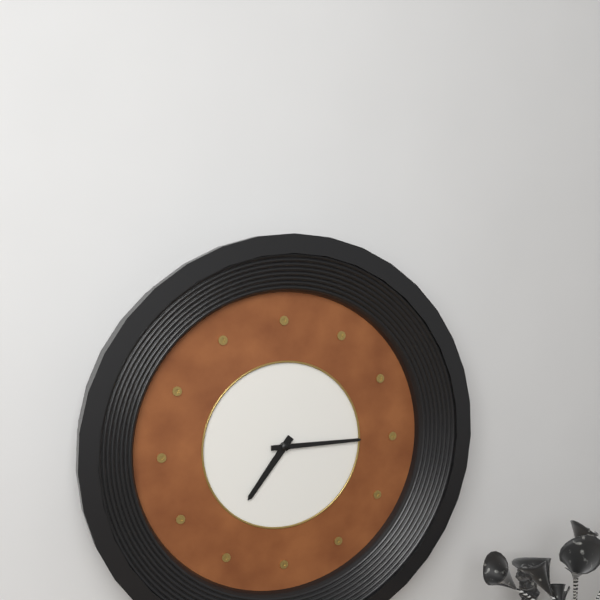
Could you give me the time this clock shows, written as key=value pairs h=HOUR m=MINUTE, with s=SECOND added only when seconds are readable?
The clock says h=7 m=15
